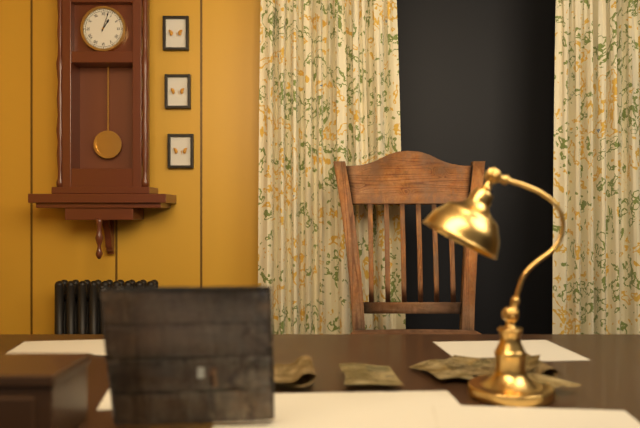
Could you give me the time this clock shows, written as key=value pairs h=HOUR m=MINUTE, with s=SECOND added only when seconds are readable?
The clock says h=1 m=3
